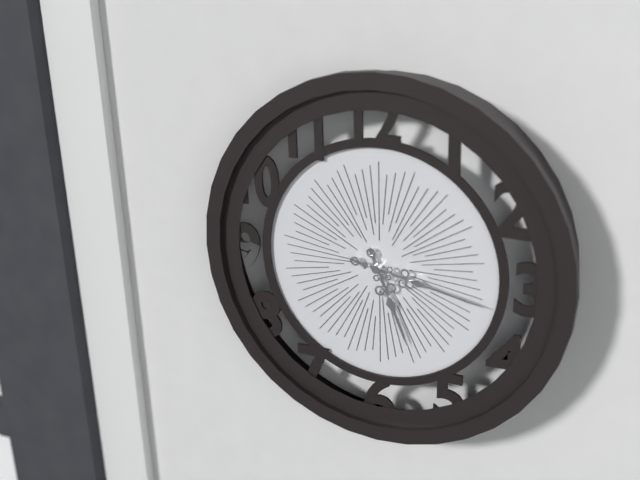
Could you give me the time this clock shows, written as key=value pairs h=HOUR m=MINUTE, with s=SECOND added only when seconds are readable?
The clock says h=5 m=17
